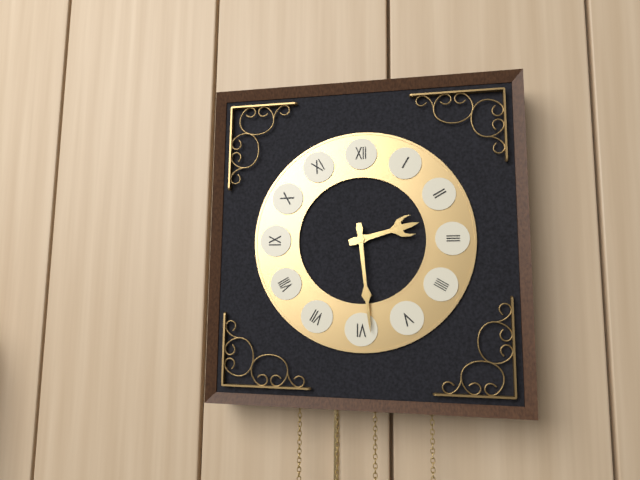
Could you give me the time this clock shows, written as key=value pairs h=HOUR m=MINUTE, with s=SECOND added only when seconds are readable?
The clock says h=2 m=29
